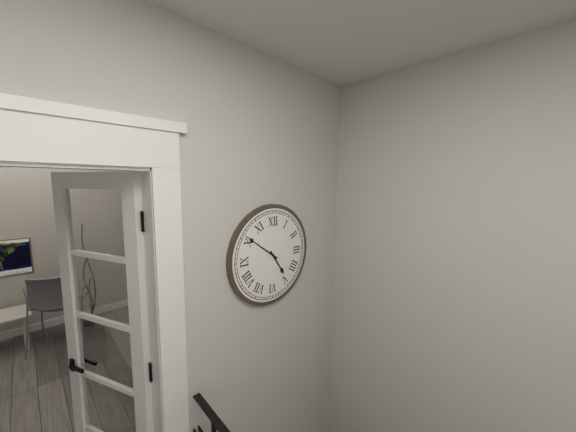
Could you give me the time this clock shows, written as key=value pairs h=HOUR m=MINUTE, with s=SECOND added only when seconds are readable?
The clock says h=4 m=51
